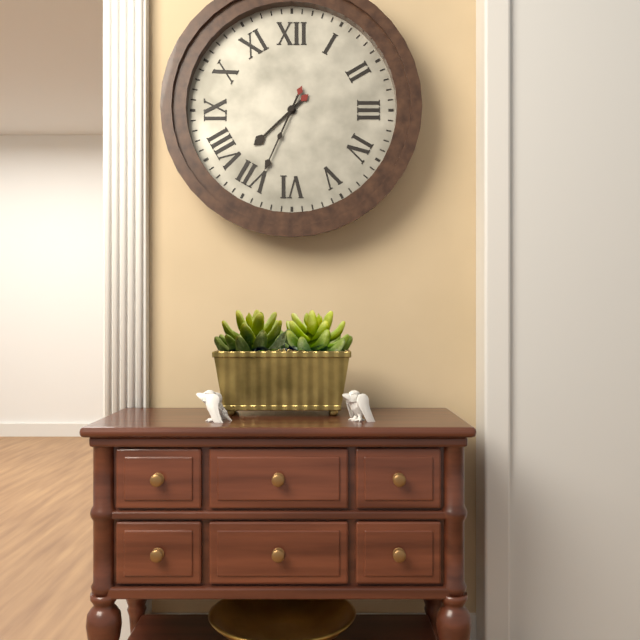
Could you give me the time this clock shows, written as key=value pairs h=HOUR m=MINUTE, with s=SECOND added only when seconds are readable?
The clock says h=7 m=34
